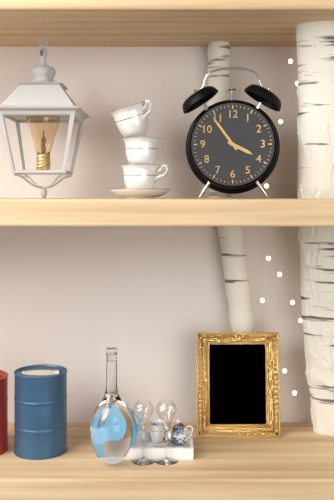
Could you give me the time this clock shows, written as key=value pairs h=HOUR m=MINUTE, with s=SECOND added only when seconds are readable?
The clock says h=3 m=54
